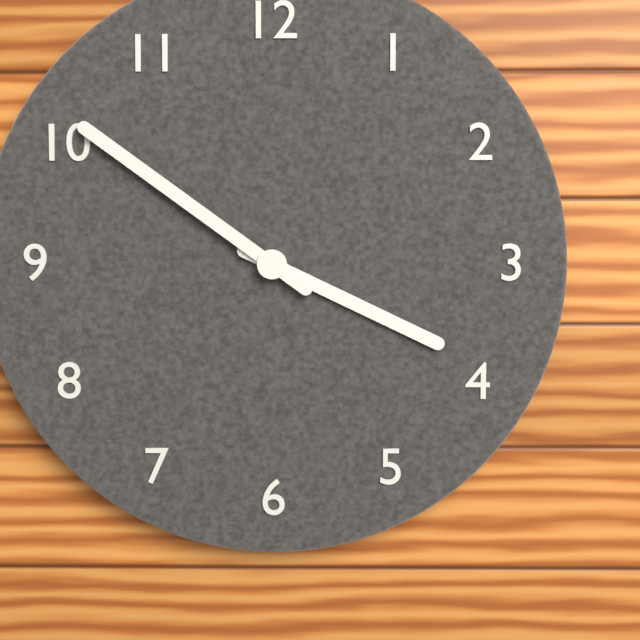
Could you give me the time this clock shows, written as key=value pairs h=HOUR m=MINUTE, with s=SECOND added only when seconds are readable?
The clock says h=3 m=51
